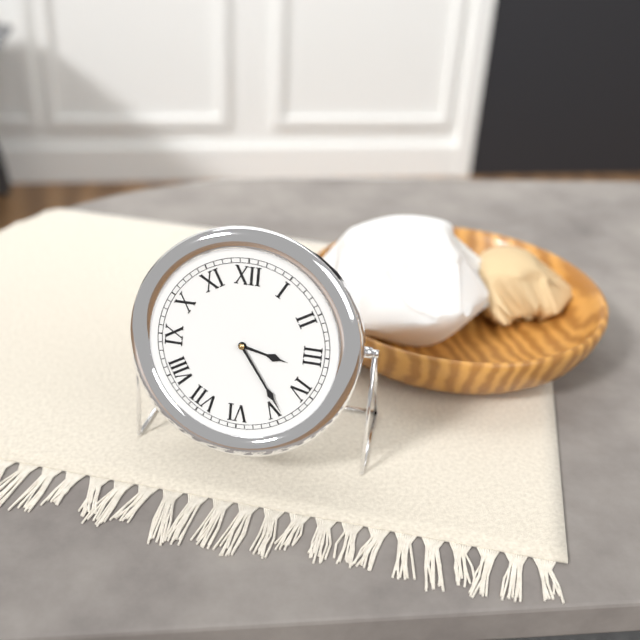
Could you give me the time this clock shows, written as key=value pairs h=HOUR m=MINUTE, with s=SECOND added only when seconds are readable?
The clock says h=3 m=24
